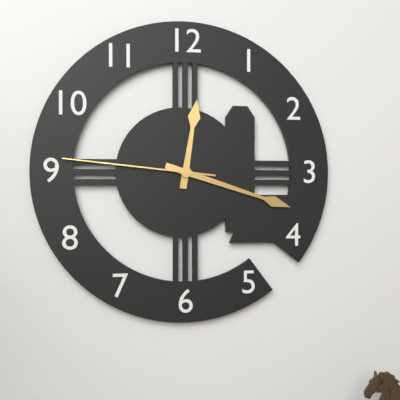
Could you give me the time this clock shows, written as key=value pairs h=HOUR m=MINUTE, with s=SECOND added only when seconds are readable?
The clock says h=12 m=18 s=46
